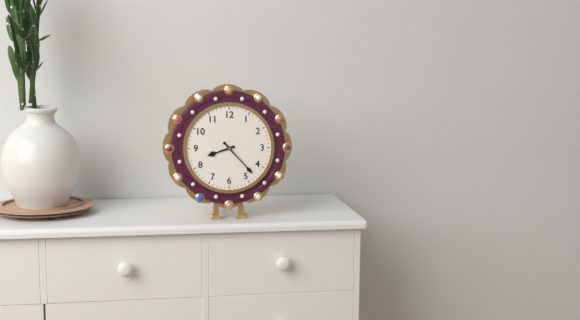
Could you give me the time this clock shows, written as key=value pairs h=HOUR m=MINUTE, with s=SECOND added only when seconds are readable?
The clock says h=8 m=23
